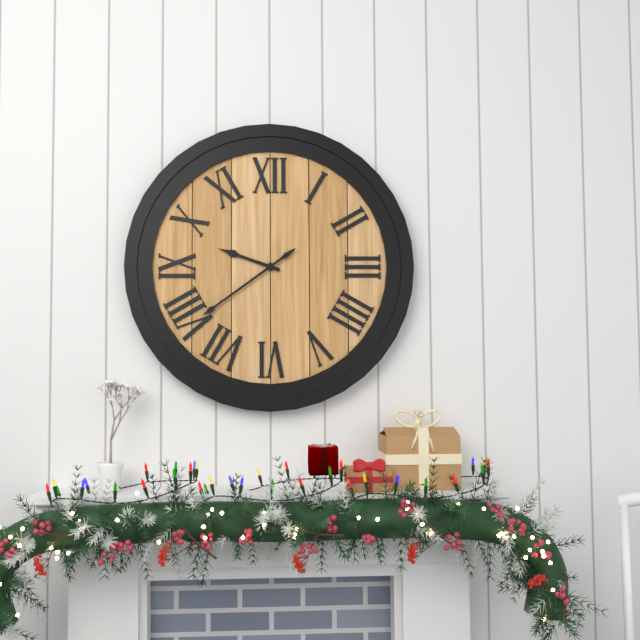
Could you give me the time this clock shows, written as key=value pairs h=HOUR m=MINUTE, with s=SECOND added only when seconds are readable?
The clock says h=9 m=39
